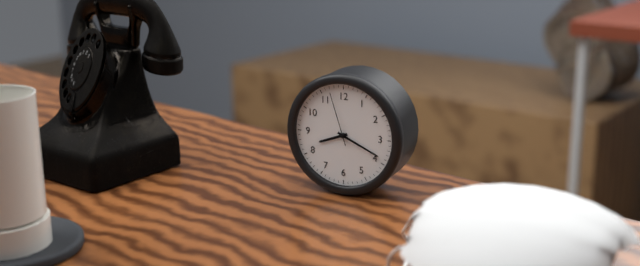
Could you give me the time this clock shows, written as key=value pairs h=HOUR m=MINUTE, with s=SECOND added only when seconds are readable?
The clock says h=8 m=19 s=57
